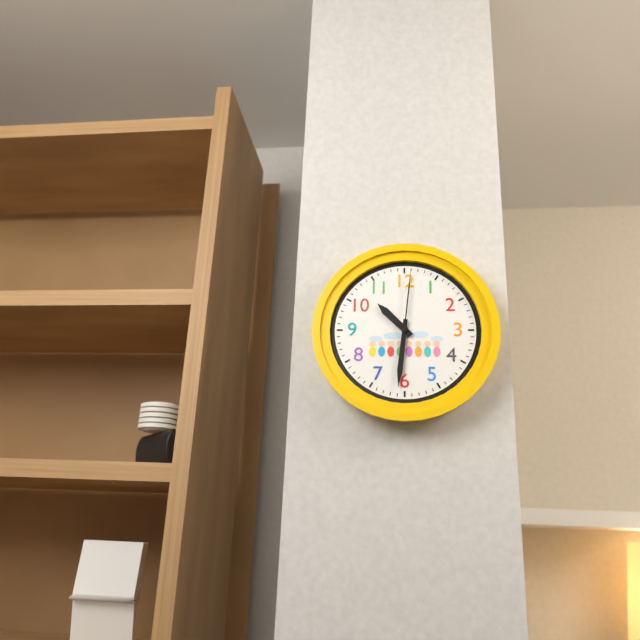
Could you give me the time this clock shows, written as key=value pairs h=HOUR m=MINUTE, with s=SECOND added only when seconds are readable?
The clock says h=10 m=31 s=1
